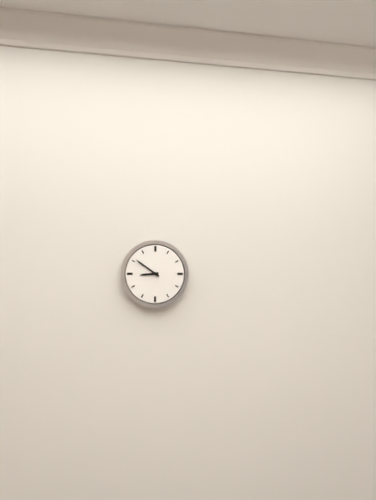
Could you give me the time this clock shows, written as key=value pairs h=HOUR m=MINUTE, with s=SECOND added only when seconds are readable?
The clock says h=8 m=51
